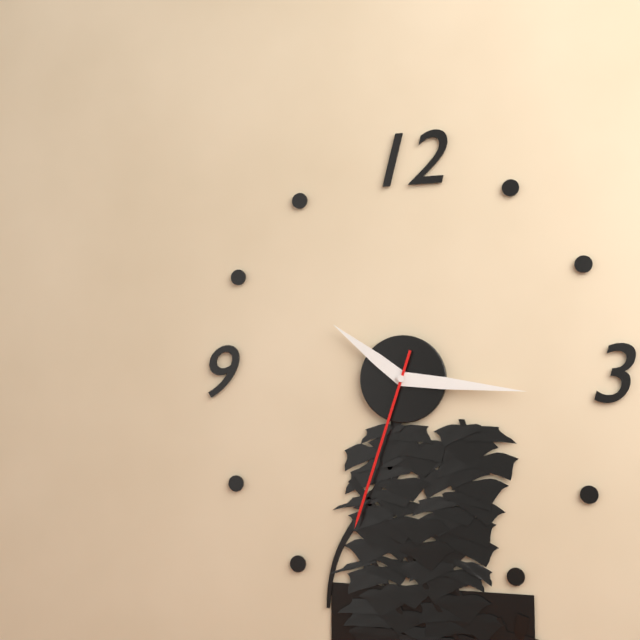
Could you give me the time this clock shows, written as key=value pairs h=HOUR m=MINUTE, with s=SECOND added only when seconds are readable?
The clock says h=10 m=16 s=33
